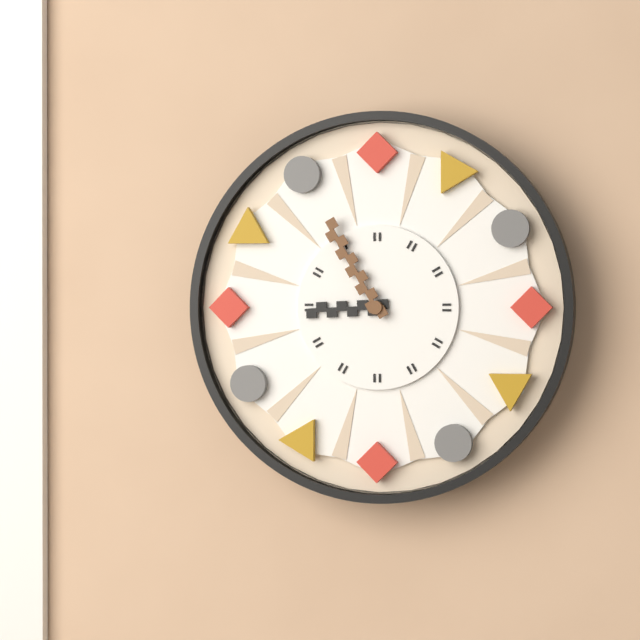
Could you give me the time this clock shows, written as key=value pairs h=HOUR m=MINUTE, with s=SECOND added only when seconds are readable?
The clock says h=8 m=55
